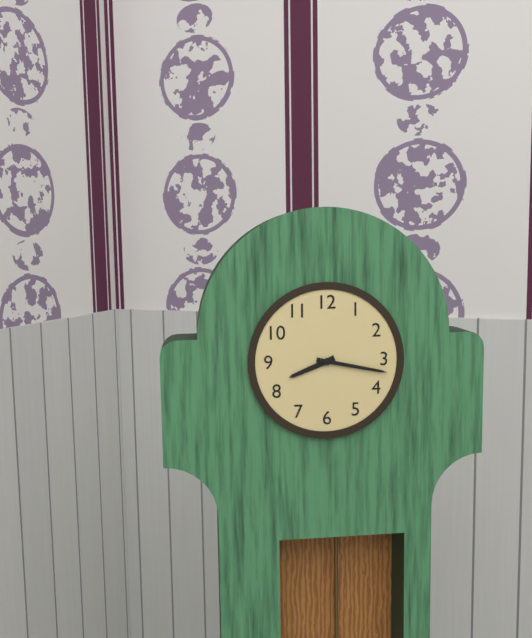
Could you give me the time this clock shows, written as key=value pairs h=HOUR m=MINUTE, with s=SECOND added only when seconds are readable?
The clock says h=8 m=17
